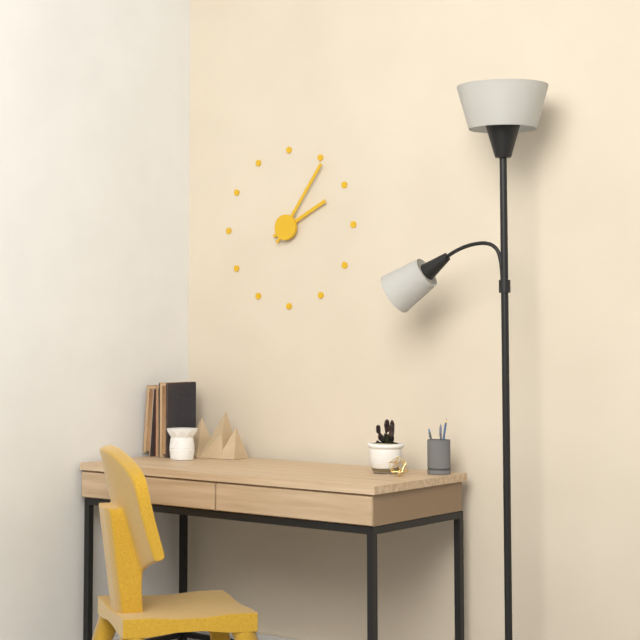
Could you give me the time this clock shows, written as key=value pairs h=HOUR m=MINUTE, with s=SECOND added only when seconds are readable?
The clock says h=2 m=6
